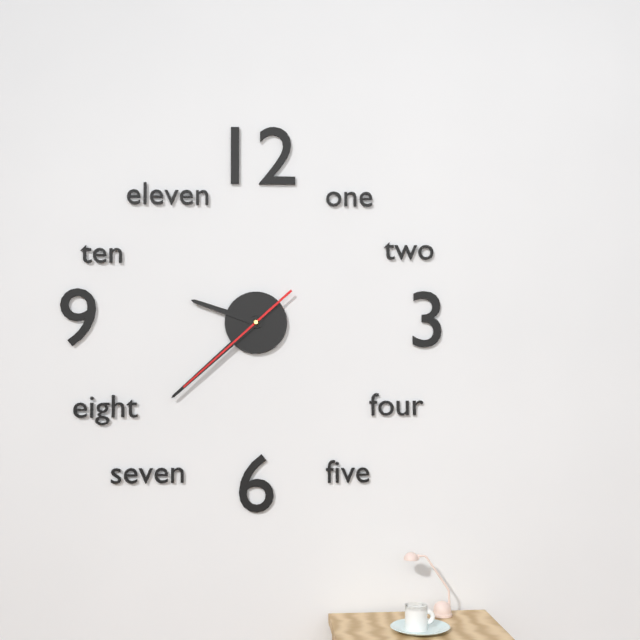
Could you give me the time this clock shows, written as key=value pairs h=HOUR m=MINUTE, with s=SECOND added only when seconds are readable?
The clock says h=9 m=38 s=38
